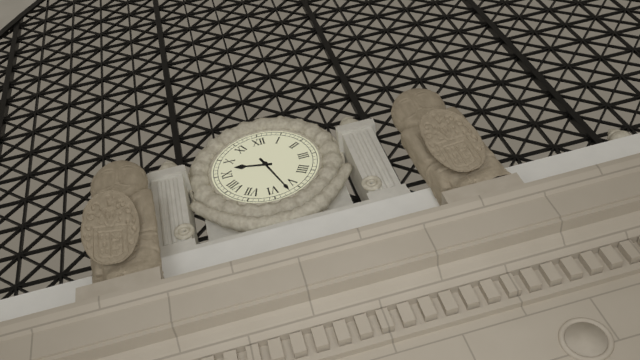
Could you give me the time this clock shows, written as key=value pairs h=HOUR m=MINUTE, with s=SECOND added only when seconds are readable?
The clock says h=9 m=27
